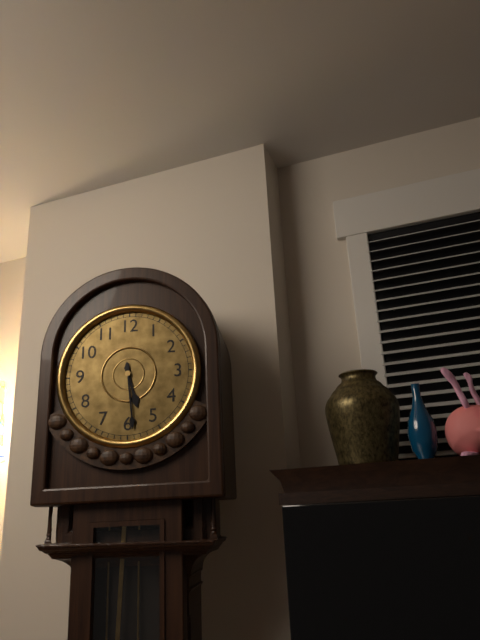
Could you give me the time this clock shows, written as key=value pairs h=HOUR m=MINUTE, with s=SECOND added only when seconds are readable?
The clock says h=5 m=29
